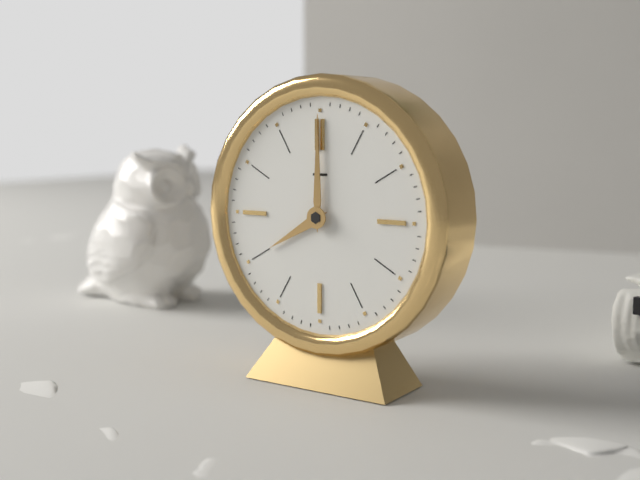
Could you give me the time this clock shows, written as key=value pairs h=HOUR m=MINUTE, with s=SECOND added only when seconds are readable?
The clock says h=8 m=0
